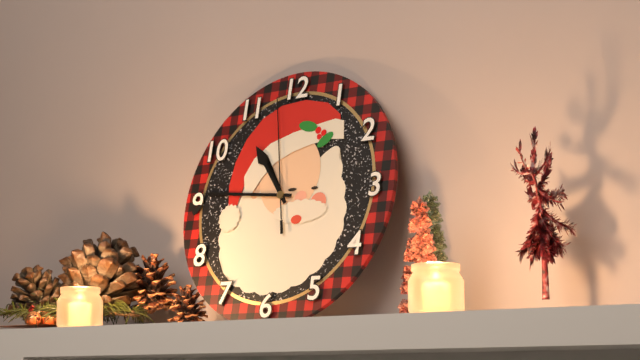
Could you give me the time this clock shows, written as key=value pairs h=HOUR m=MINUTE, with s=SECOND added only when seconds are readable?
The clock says h=10 m=46 s=58
